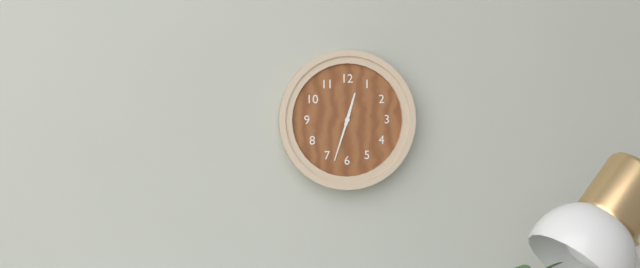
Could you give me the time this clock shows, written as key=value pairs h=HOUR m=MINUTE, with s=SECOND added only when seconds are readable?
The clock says h=12 m=33
